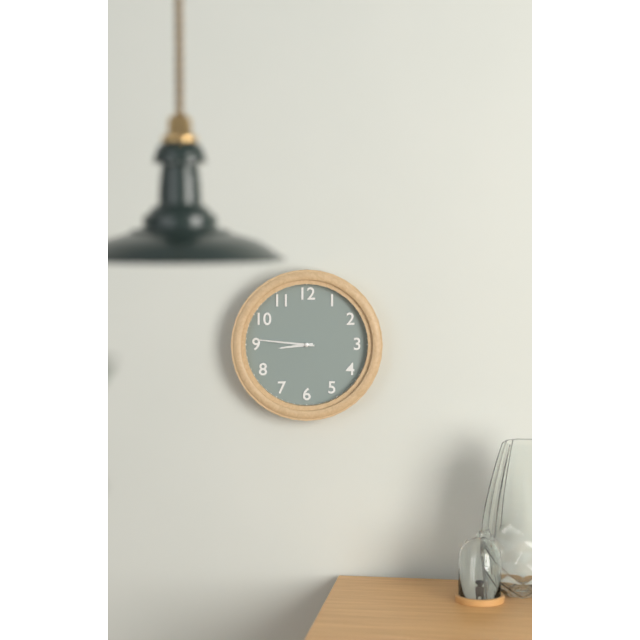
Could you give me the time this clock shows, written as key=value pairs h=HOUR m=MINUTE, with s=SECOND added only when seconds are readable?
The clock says h=8 m=46
